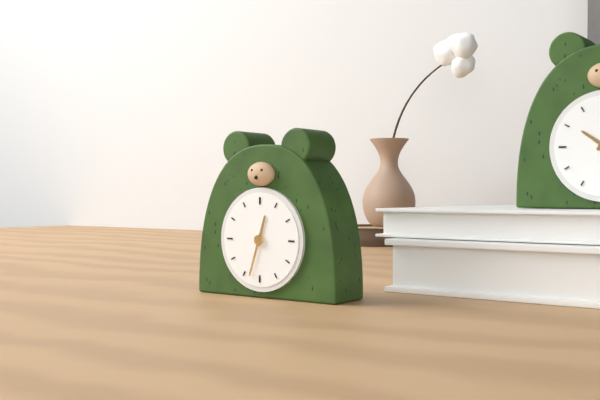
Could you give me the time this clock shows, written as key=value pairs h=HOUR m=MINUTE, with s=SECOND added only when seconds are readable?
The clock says h=12 m=33
